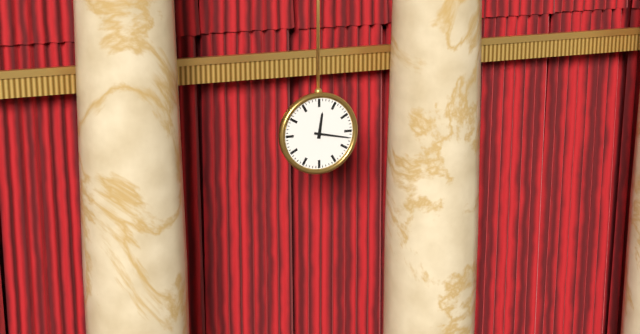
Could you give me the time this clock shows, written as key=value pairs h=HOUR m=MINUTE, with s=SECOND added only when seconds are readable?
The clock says h=12 m=17
